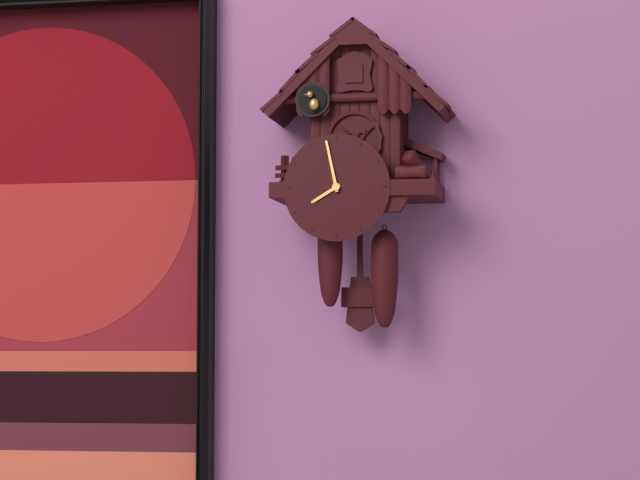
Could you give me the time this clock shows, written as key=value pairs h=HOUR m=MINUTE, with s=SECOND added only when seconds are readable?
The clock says h=7 m=58
